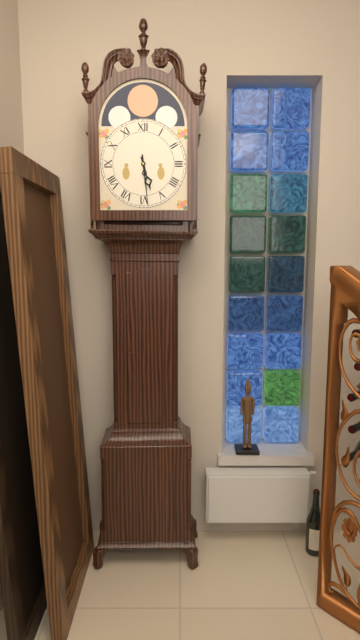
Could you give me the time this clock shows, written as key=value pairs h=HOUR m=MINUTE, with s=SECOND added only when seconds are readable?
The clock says h=5 m=29
